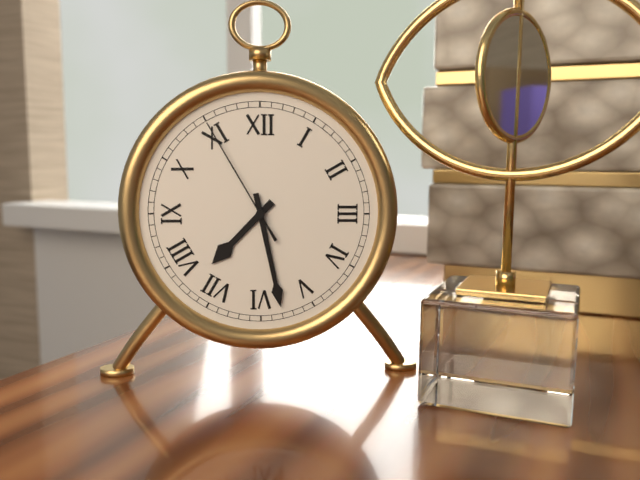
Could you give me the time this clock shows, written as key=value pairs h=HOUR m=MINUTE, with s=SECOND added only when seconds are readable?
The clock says h=7 m=28 s=55
